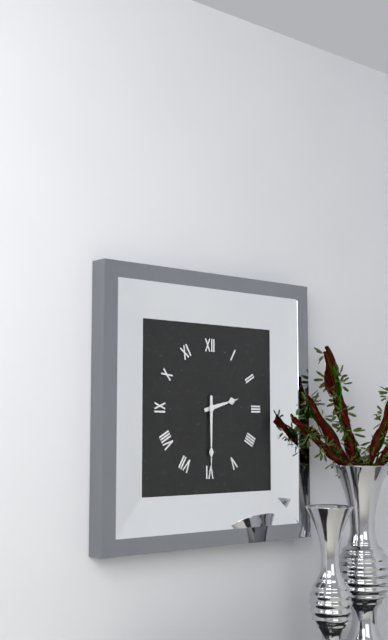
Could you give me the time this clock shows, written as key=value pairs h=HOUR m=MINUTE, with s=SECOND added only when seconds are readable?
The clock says h=2 m=30
